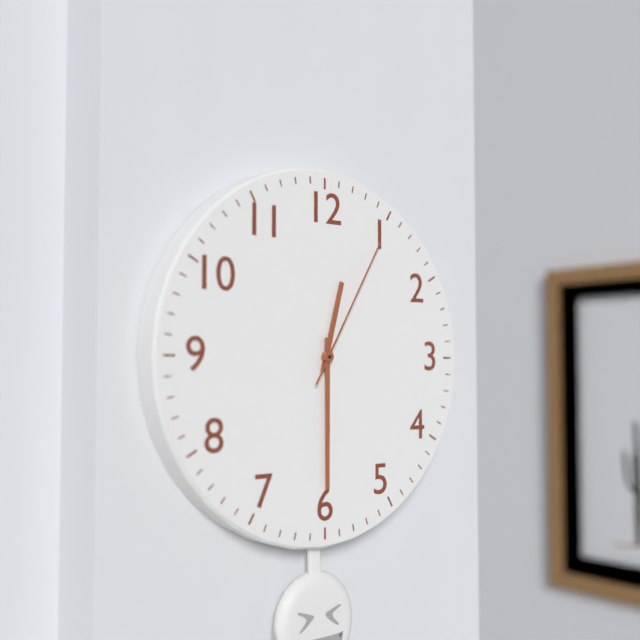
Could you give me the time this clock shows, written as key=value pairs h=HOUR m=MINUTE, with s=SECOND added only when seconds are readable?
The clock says h=12 m=30 s=5
